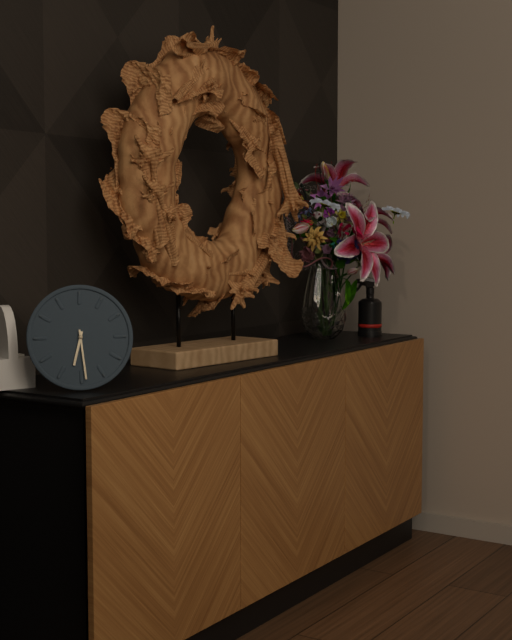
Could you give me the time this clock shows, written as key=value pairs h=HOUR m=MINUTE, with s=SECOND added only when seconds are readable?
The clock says h=6 m=29
